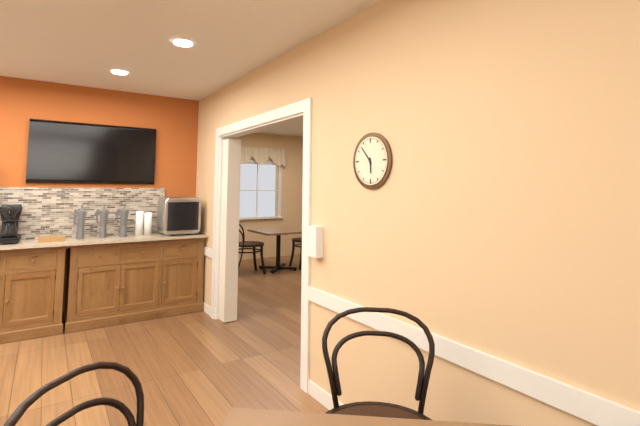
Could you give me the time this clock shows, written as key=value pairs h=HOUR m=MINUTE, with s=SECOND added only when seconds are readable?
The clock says h=5 m=53
